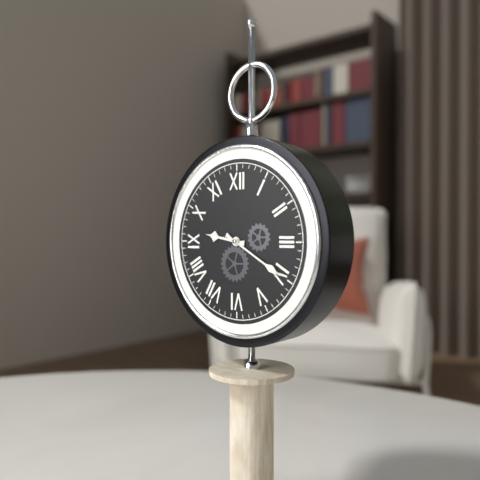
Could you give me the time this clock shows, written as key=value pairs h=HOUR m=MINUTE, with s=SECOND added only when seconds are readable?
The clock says h=9 m=20
